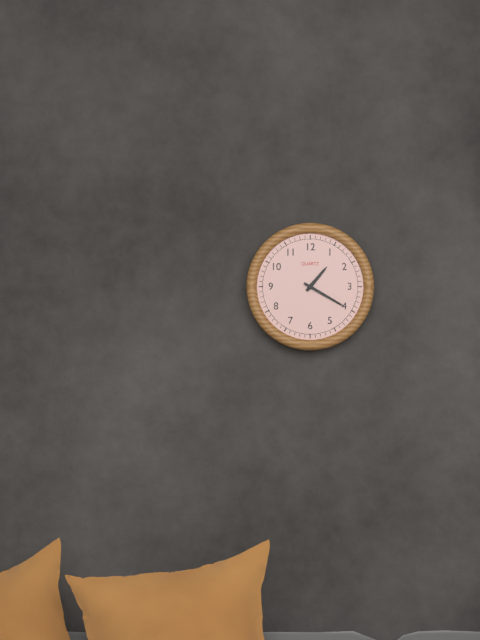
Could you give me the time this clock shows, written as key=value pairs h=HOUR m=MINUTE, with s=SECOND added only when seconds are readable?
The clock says h=1 m=20
